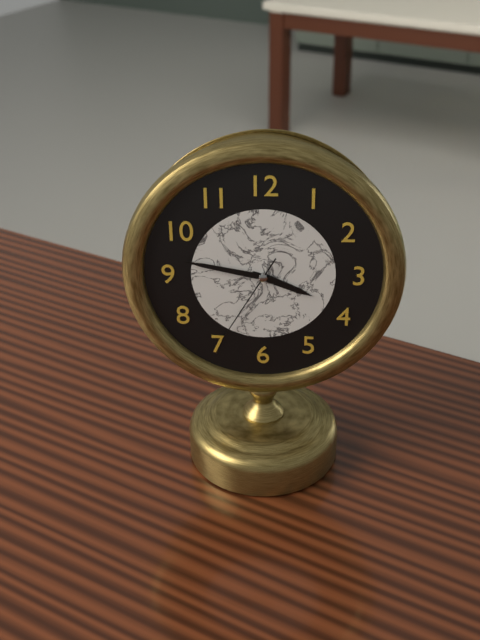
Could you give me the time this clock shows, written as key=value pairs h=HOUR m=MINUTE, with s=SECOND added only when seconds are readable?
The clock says h=3 m=47 s=35
